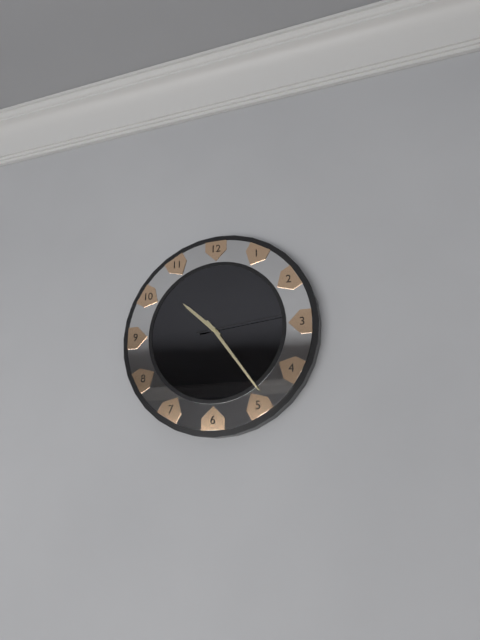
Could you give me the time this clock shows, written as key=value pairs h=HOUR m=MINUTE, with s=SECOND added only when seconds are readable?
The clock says h=10 m=24 s=14
